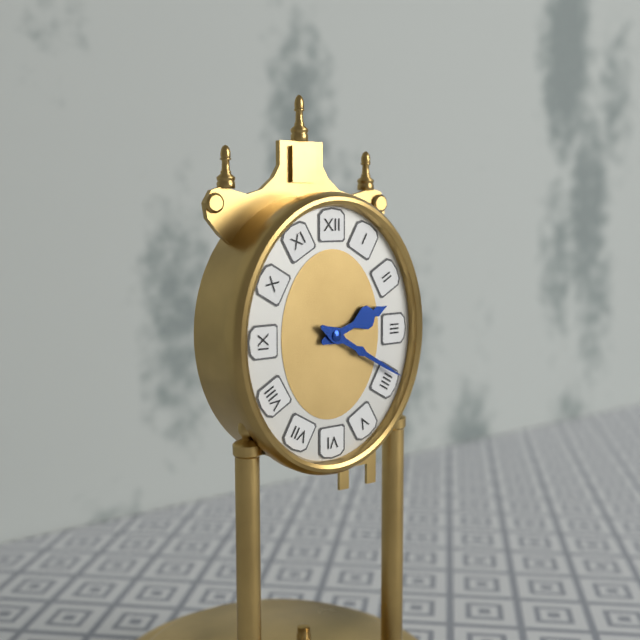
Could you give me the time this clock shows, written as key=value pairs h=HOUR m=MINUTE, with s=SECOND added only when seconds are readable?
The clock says h=2 m=20
